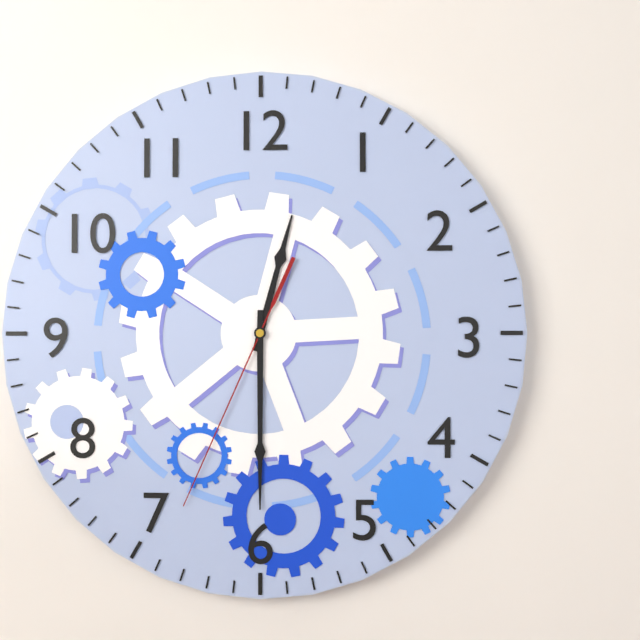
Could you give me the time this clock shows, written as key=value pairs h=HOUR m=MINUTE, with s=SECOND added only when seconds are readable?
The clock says h=12 m=30 s=34
